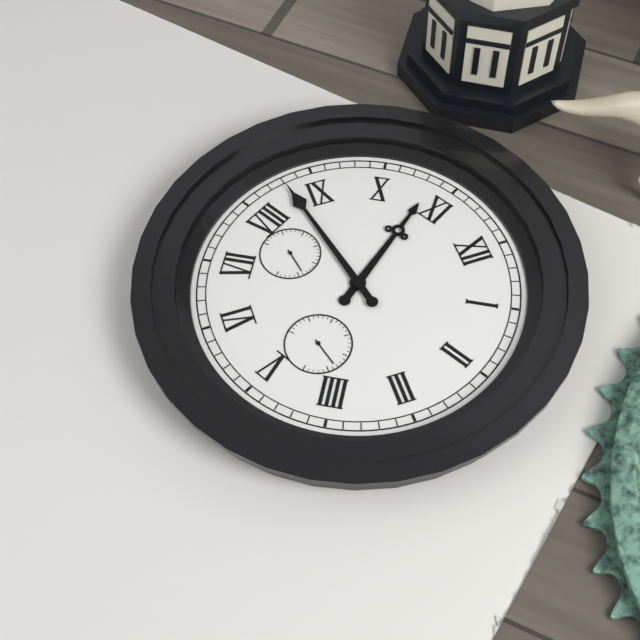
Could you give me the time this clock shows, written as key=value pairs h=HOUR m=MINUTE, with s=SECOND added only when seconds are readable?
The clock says h=10 m=43
